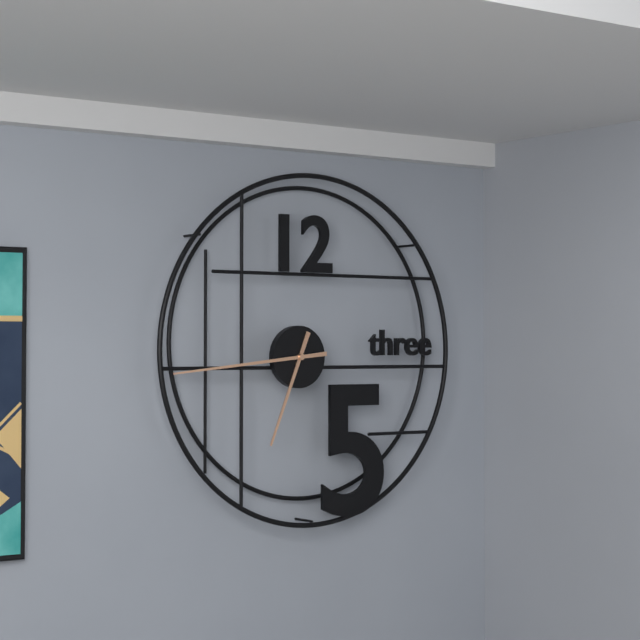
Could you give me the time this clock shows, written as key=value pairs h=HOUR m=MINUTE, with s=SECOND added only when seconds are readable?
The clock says h=6 m=44
